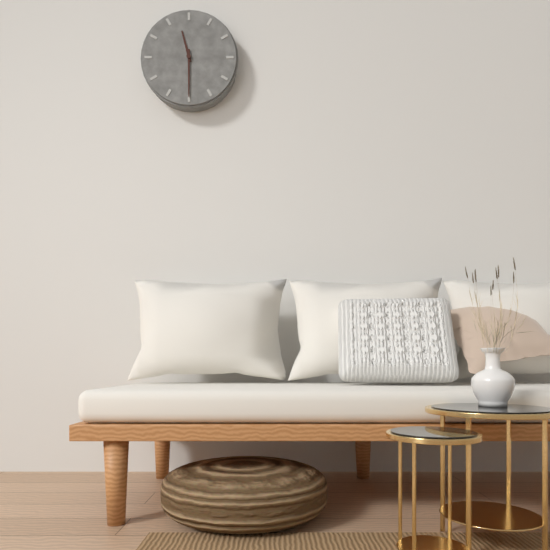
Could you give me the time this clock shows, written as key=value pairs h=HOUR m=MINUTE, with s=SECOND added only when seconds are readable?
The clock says h=11 m=30
